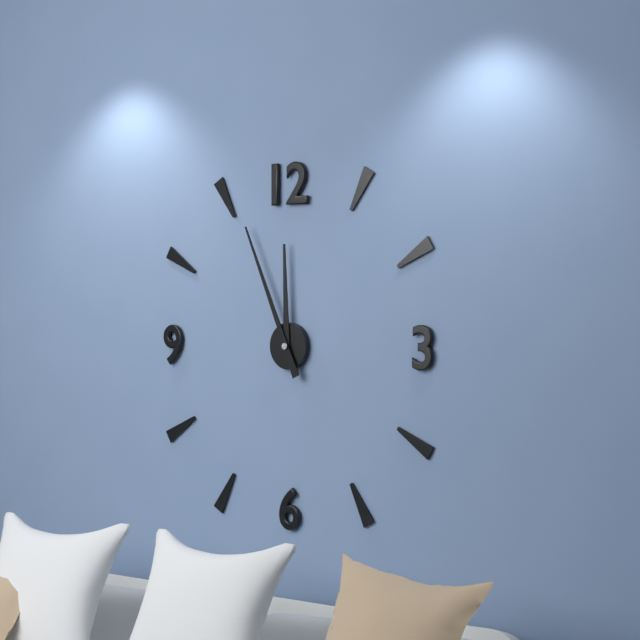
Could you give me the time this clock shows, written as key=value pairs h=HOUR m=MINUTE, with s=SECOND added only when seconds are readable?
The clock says h=11 m=56
